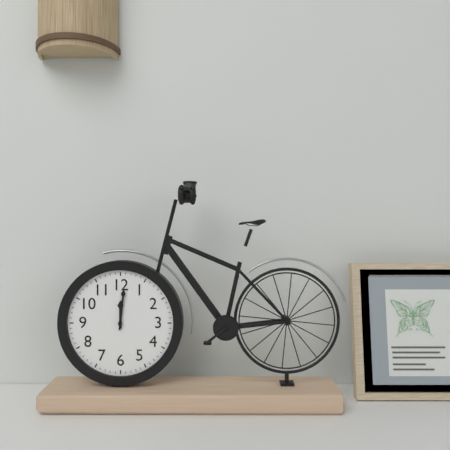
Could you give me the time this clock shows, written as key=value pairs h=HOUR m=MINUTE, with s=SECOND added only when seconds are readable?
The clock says h=12 m=1
